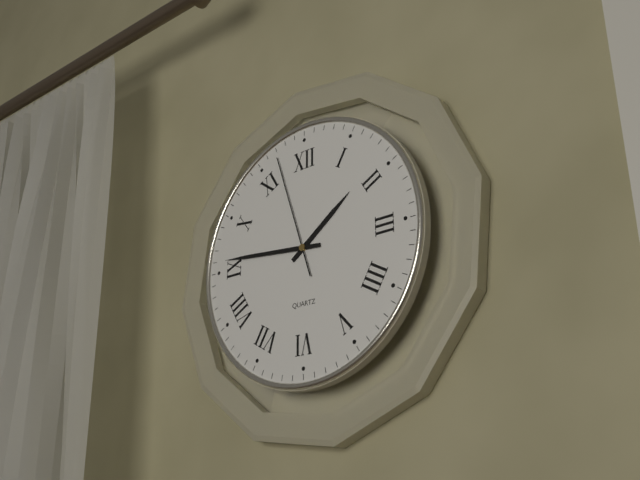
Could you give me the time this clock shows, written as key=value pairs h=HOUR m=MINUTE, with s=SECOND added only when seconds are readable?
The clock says h=1 m=46 s=57
